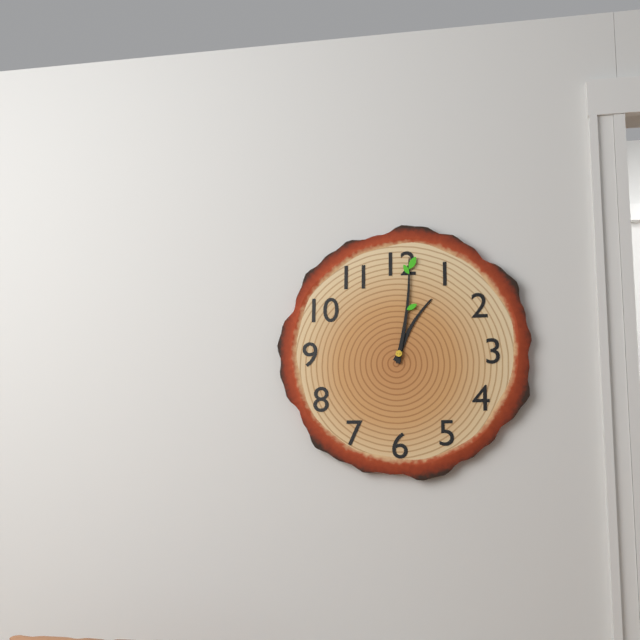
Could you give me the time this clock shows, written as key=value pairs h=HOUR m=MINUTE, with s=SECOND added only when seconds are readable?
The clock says h=1 m=1
